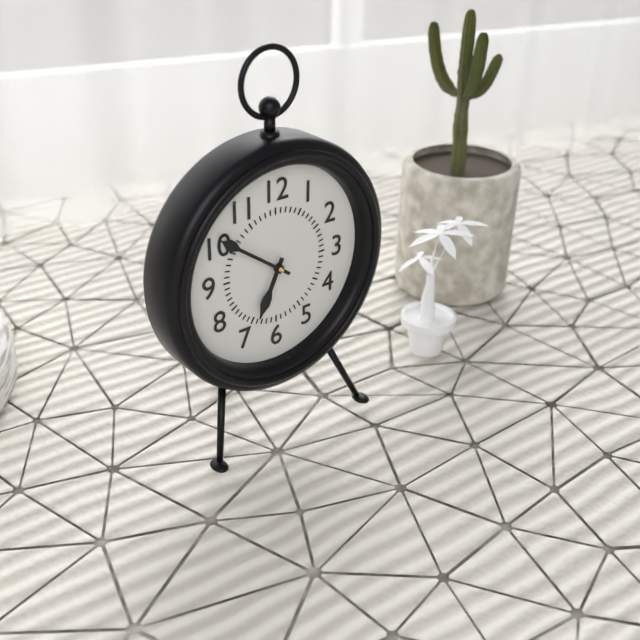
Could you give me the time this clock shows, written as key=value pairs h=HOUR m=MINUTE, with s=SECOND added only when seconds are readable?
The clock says h=6 m=51
